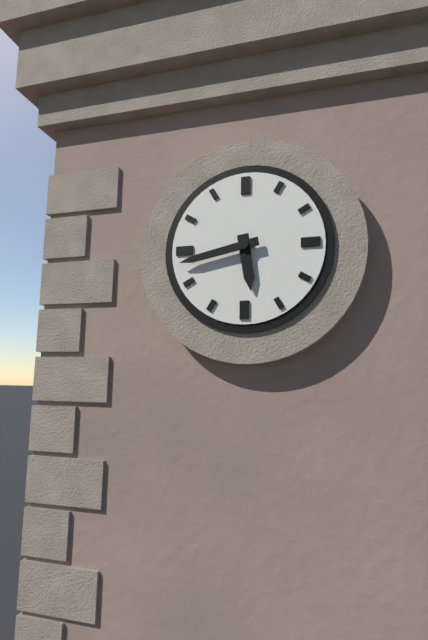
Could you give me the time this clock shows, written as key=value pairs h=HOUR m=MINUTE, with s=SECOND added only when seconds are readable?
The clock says h=5 m=43
